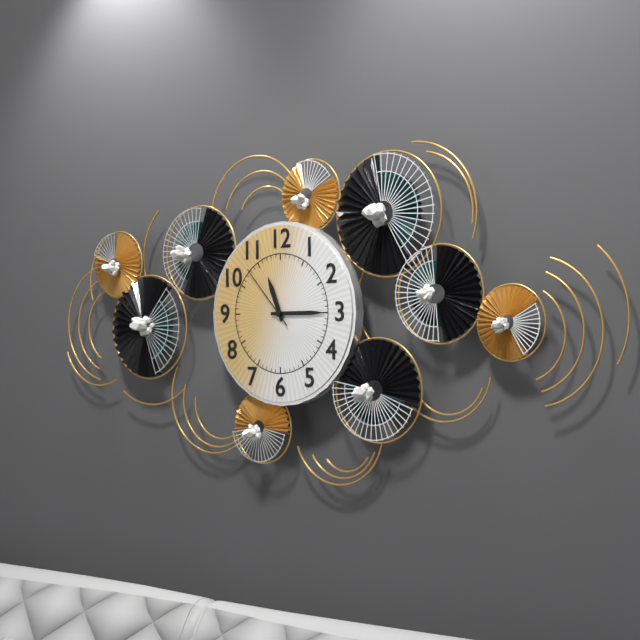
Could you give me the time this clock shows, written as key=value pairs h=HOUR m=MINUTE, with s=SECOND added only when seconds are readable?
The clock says h=11 m=15 s=53
